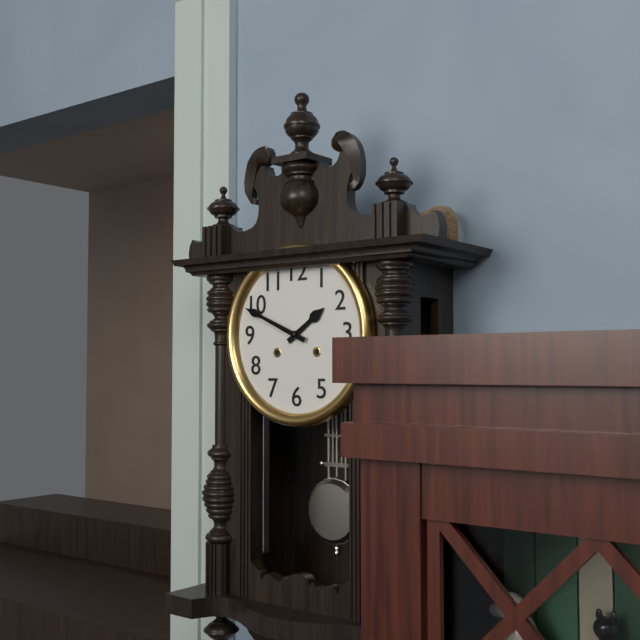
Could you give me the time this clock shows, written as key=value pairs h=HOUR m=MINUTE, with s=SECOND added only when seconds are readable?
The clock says h=1 m=49
